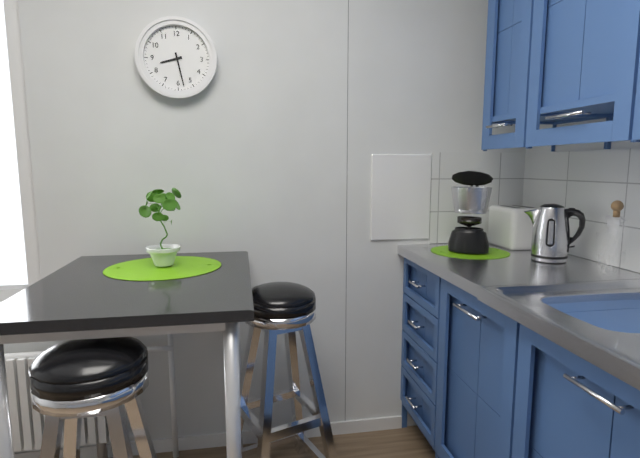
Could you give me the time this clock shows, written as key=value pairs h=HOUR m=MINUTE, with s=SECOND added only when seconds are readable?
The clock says h=8 m=28
